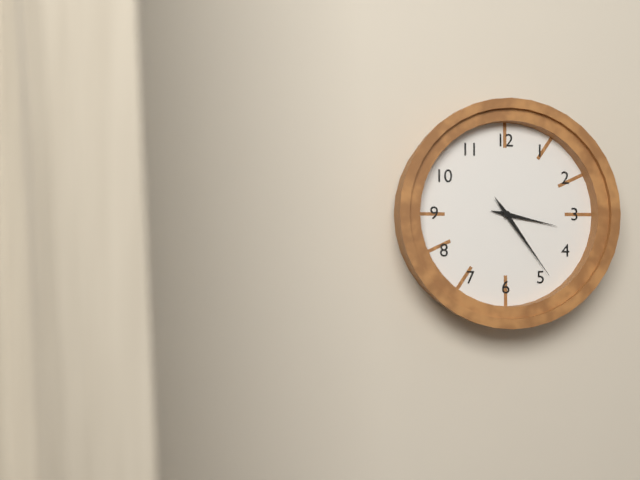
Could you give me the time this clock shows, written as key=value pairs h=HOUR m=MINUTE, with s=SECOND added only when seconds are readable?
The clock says h=3 m=24
